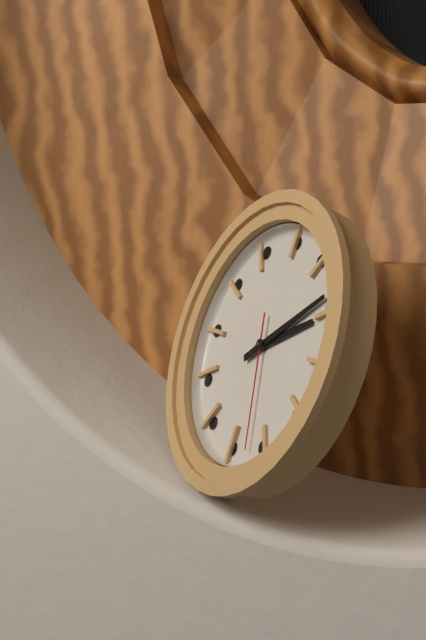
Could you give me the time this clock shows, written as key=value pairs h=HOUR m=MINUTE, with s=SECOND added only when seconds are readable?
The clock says h=2 m=9 s=27
